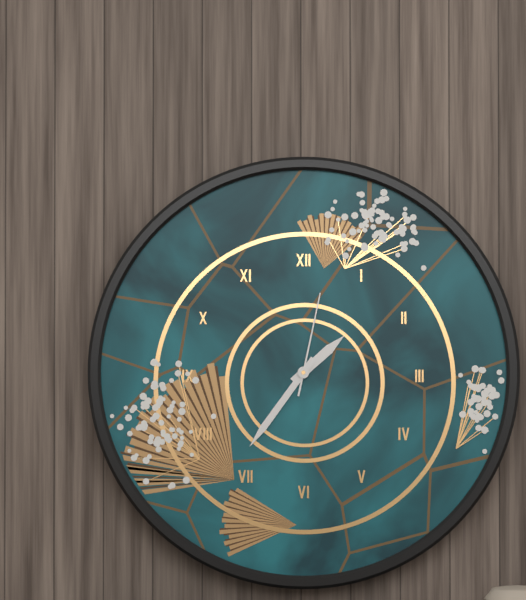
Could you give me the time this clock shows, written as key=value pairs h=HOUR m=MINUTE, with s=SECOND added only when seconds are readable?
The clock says h=1 m=36 s=2
